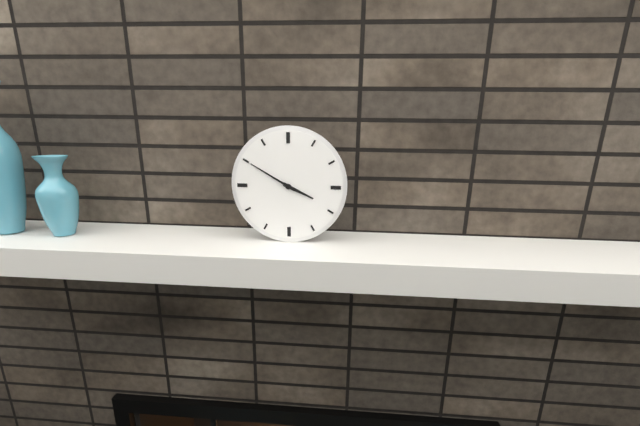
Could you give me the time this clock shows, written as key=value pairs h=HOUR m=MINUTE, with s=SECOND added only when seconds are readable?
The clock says h=3 m=50
